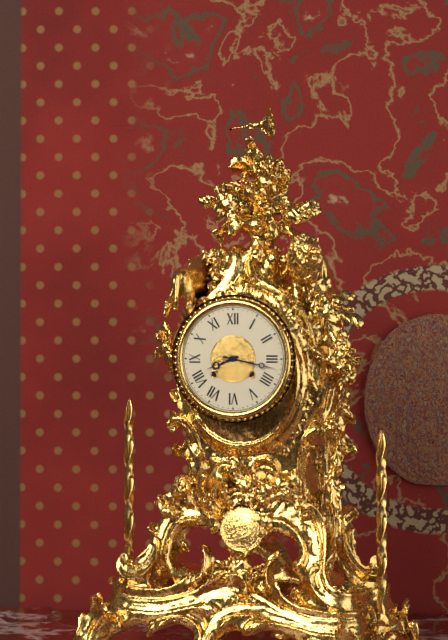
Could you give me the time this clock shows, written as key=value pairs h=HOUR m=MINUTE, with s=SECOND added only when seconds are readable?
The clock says h=8 m=17
